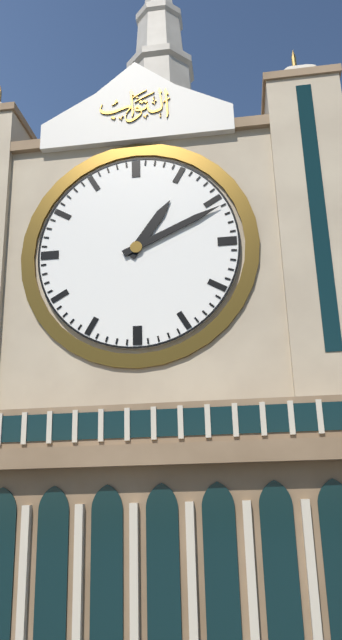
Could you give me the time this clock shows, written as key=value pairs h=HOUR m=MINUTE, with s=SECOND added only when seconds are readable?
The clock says h=1 m=11
